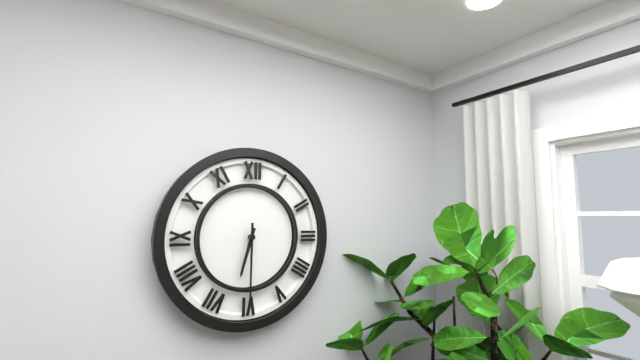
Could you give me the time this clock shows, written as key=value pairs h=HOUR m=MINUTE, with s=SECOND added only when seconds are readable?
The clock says h=6 m=30
